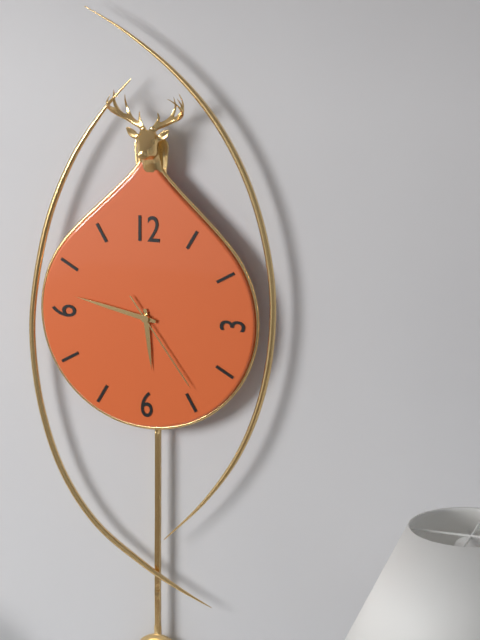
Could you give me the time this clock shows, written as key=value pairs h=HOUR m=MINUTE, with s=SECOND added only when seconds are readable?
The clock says h=5 m=47 s=24
